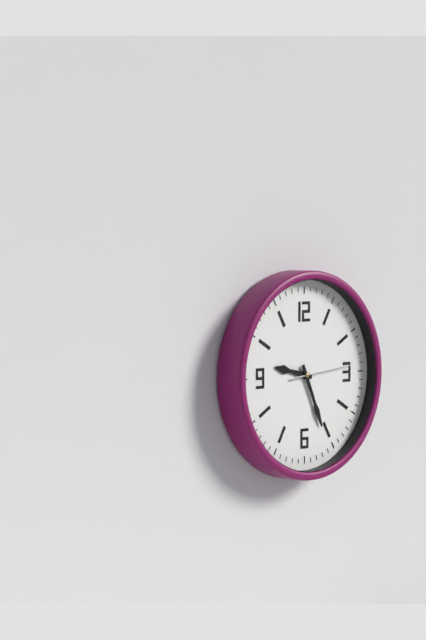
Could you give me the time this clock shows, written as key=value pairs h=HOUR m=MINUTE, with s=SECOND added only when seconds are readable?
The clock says h=9 m=26 s=14
